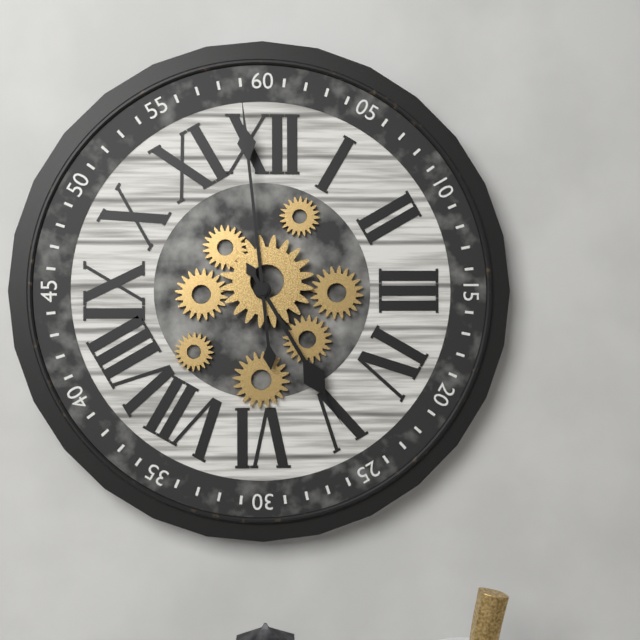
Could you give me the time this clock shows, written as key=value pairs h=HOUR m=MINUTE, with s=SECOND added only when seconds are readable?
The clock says h=4 m=59
